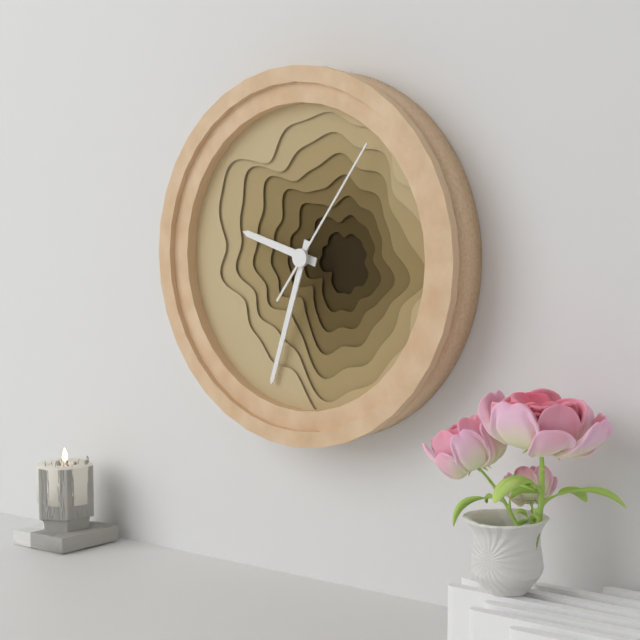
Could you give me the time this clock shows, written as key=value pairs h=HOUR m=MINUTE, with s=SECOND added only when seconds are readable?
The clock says h=9 m=33 s=6
